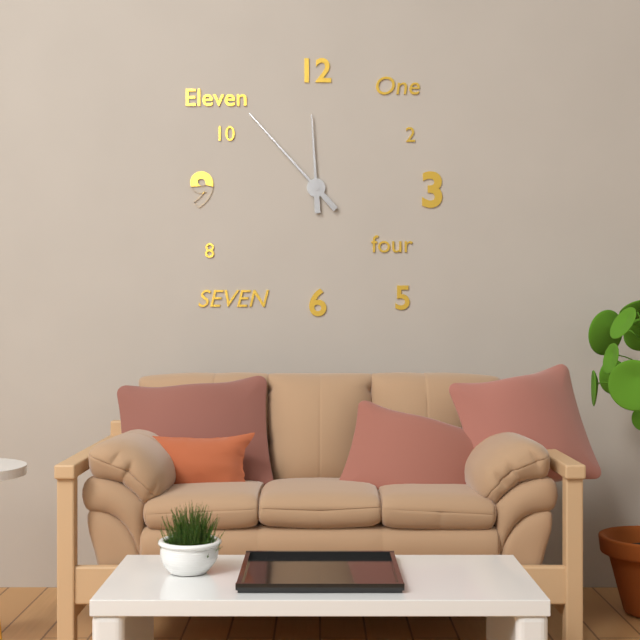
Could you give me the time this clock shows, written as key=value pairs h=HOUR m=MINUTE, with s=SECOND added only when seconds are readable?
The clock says h=11 m=53
